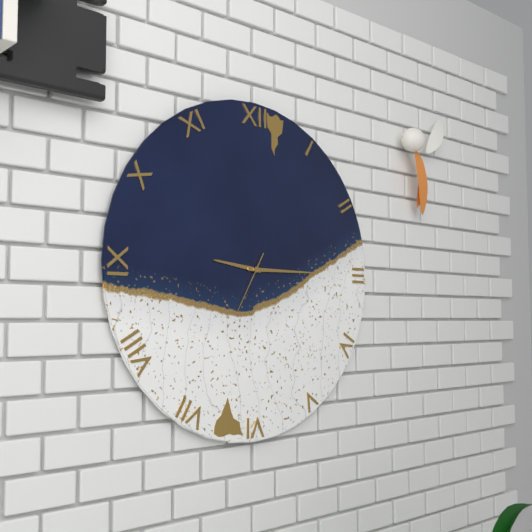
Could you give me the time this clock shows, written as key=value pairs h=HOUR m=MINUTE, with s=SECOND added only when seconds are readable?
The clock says h=9 m=15 s=35
